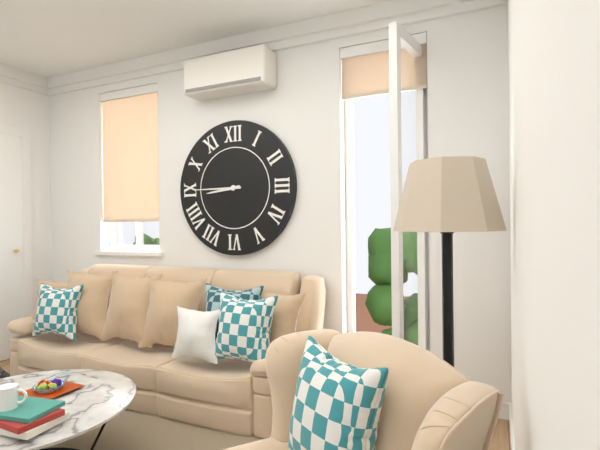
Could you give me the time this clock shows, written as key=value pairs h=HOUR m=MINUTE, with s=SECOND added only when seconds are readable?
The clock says h=8 m=45
